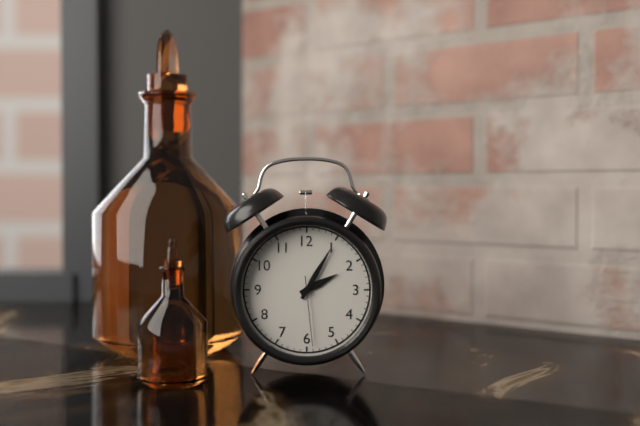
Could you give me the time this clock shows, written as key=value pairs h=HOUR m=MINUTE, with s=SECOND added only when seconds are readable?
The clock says h=2 m=5 s=29
